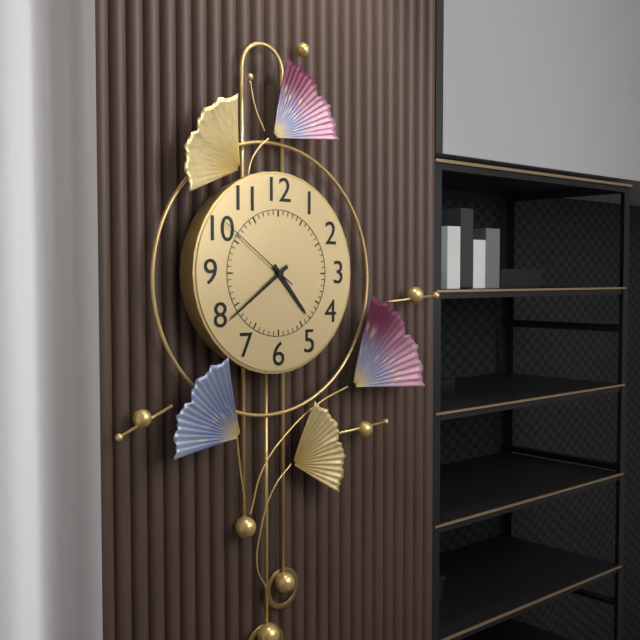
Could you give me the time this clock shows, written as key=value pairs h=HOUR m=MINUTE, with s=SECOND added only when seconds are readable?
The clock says h=4 m=39 s=51
